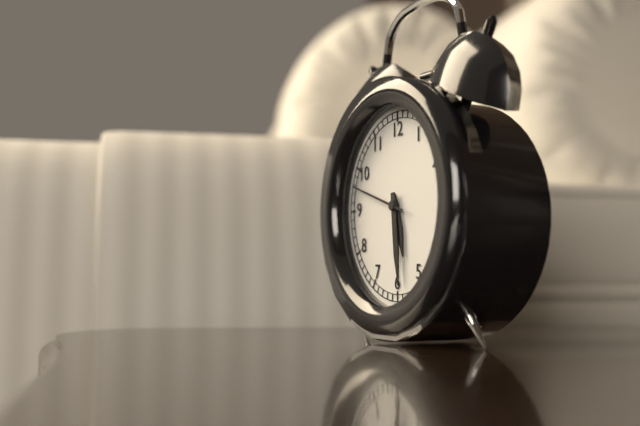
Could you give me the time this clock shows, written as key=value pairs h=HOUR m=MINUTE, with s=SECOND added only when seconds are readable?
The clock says h=5 m=29
